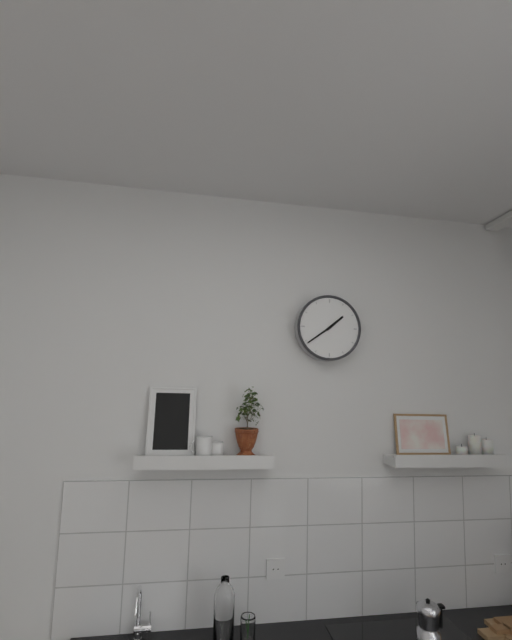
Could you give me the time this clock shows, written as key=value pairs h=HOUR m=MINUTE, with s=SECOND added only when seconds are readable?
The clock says h=1 m=39
